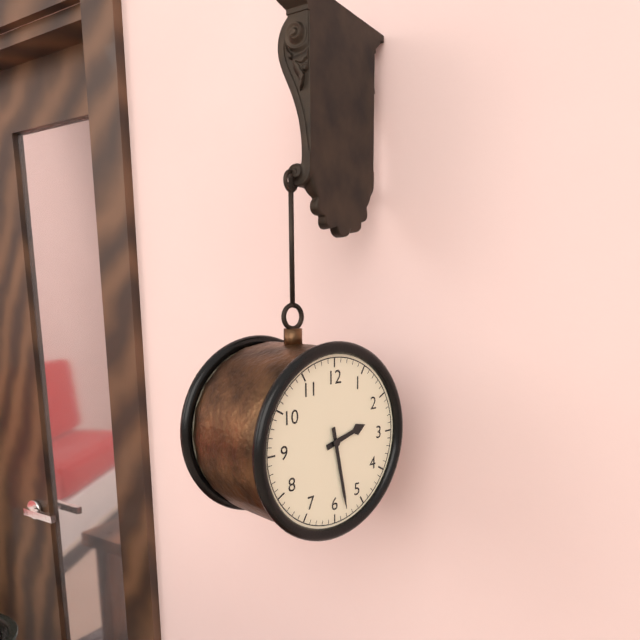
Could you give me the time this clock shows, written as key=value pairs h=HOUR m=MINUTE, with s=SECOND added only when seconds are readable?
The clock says h=2 m=28
